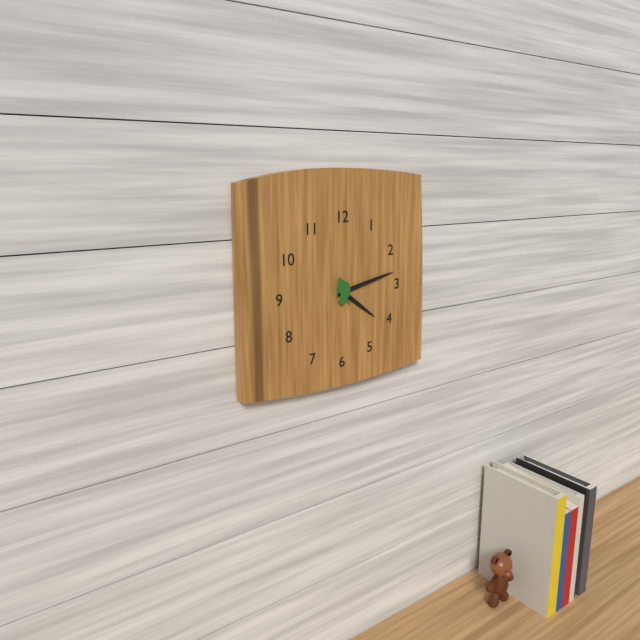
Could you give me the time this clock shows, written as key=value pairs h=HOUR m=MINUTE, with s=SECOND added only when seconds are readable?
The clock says h=4 m=13
